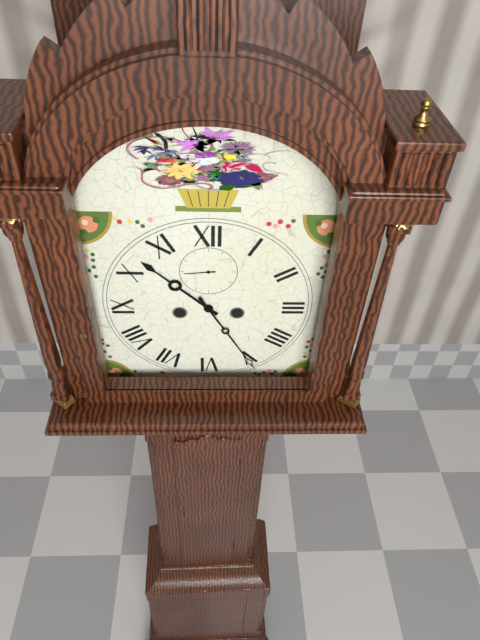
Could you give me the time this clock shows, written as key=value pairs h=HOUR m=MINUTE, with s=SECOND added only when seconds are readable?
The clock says h=10 m=25
